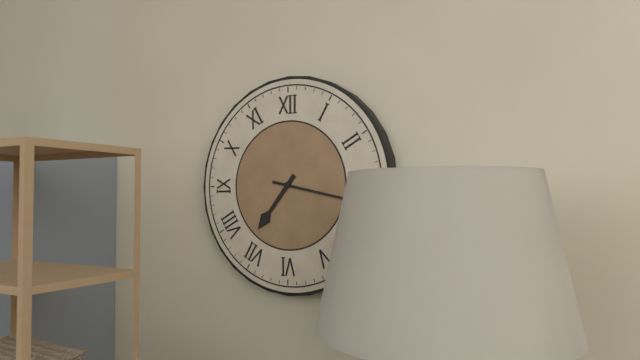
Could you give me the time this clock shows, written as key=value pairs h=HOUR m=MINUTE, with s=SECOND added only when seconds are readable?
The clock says h=7 m=17
